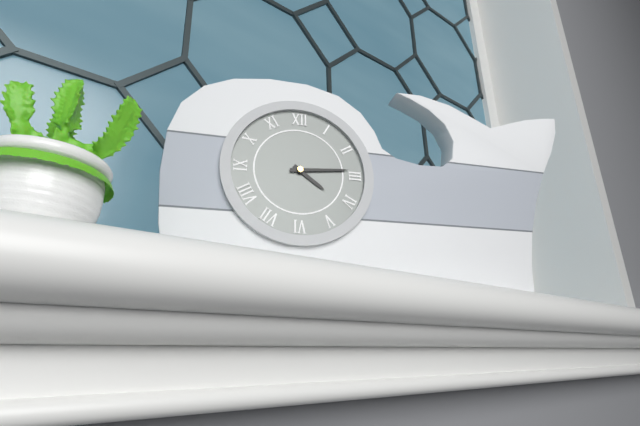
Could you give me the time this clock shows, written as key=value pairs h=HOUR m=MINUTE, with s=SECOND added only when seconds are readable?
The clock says h=4 m=14
